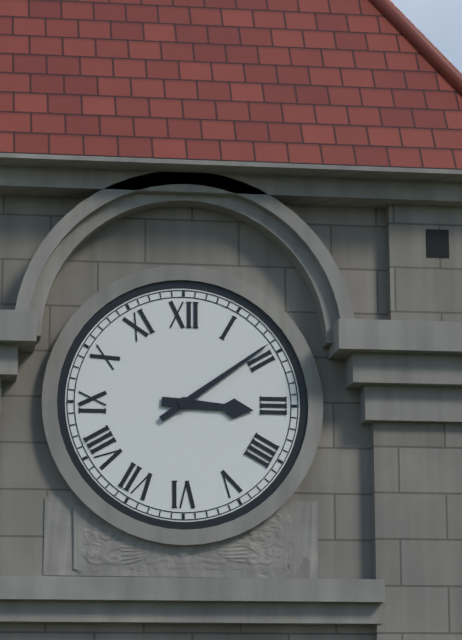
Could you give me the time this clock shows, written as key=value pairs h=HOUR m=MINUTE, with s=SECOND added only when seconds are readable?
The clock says h=3 m=9
